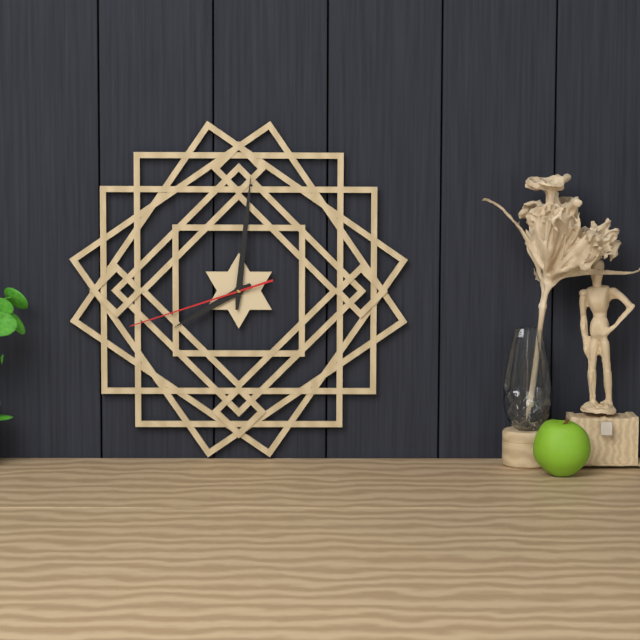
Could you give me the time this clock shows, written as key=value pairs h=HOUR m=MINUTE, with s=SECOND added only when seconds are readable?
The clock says h=8 m=1 s=42
